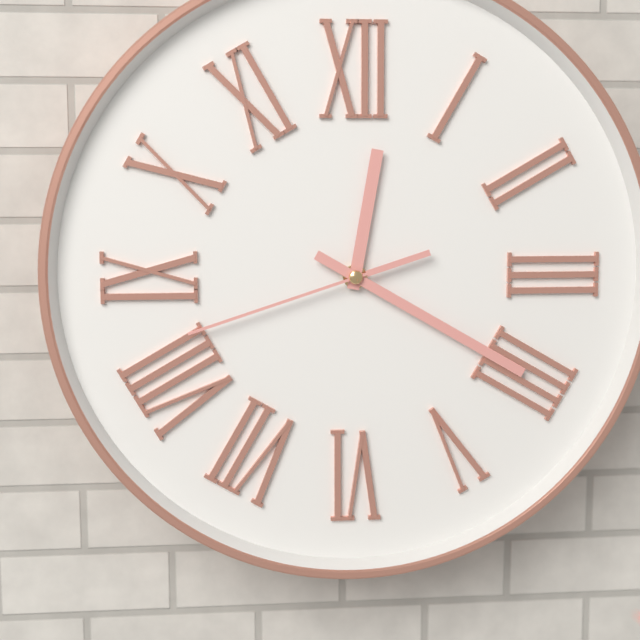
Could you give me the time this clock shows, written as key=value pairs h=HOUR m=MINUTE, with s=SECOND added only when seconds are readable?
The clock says h=12 m=20 s=42
